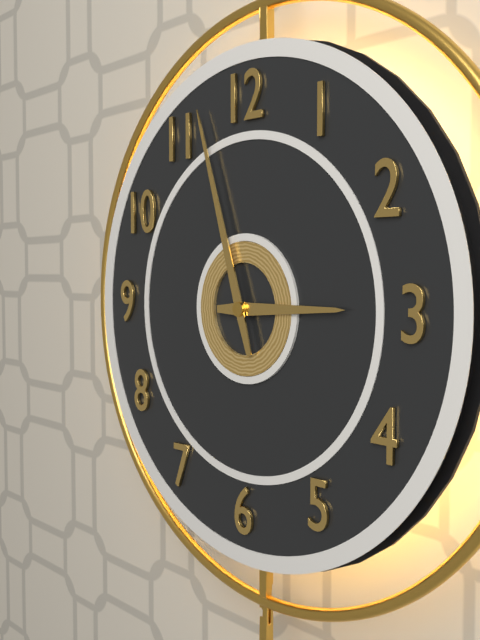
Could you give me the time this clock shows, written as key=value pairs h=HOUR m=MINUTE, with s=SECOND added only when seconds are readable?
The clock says h=2 m=57
